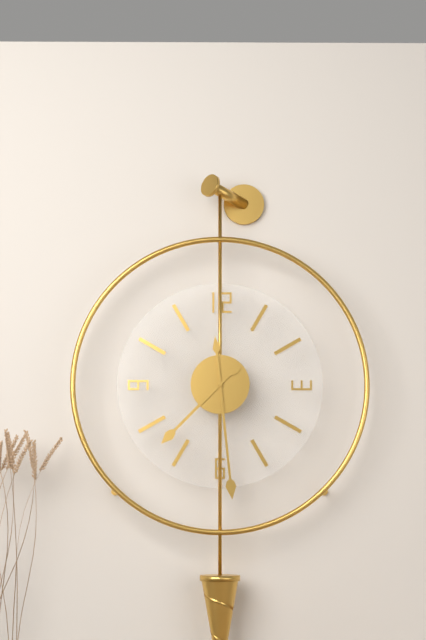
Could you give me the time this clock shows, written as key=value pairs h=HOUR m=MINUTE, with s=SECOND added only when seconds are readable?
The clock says h=7 m=29
